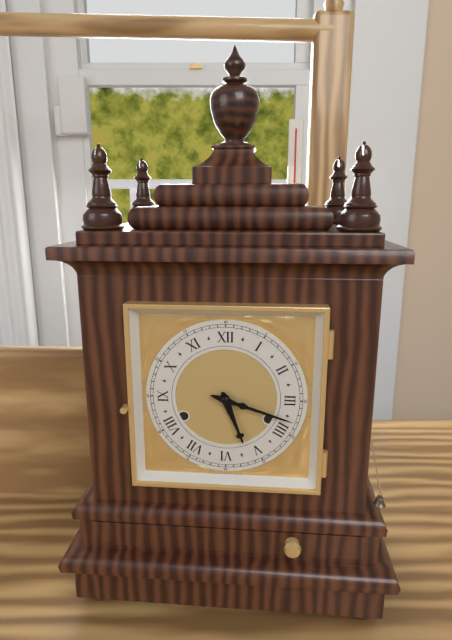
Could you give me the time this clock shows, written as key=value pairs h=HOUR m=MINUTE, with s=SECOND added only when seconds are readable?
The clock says h=5 m=18
